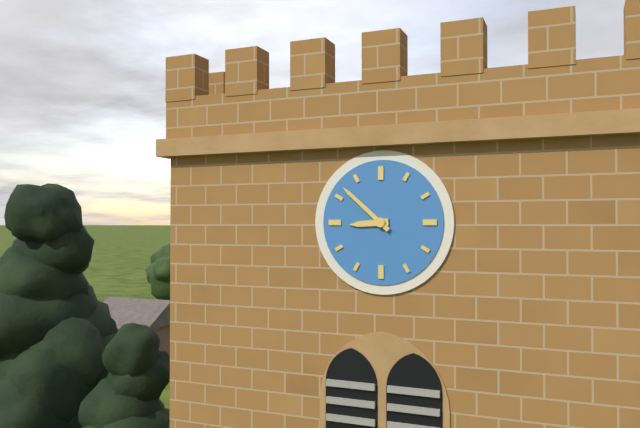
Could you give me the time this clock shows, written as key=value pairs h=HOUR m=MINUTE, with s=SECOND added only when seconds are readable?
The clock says h=8 m=52
